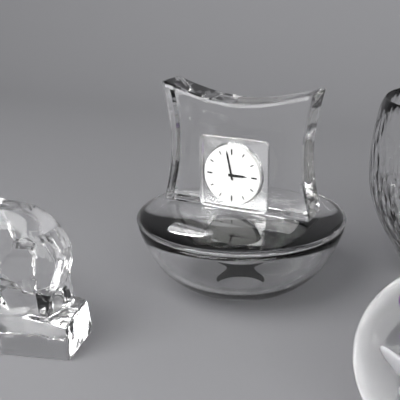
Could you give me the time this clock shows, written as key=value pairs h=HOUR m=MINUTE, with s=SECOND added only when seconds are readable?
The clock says h=2 m=58
